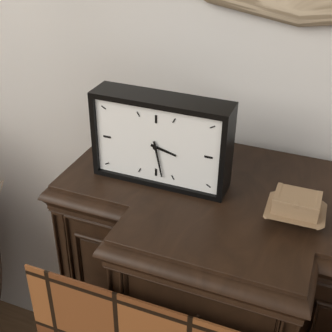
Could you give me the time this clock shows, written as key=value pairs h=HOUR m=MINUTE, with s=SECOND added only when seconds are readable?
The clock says h=3 m=28
